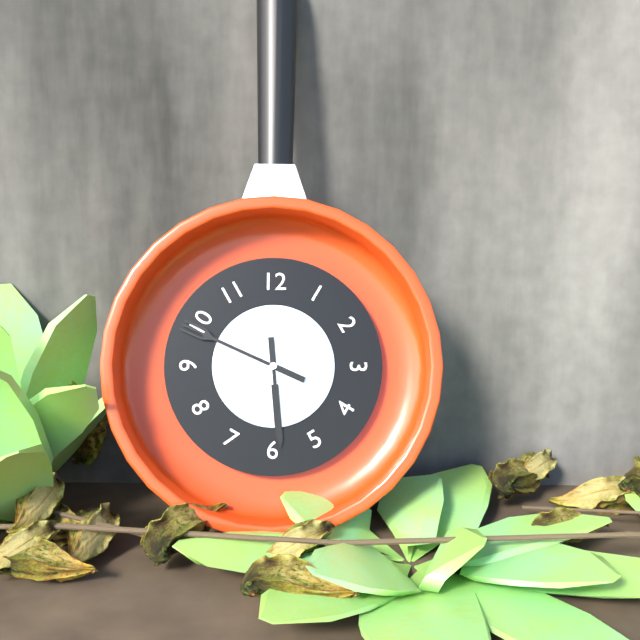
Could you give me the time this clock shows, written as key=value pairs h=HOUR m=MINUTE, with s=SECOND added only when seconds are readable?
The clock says h=5 m=49
